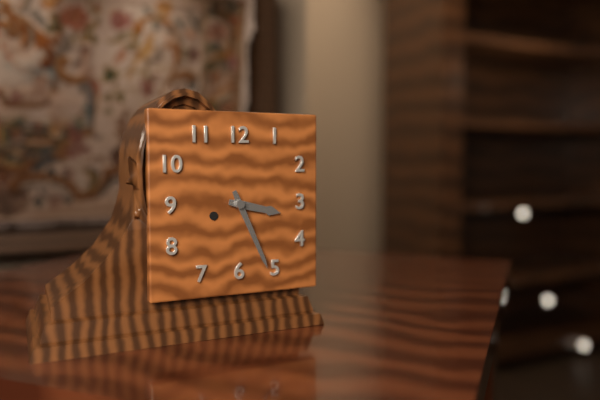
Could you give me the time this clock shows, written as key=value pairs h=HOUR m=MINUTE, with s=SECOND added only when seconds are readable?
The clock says h=3 m=26
